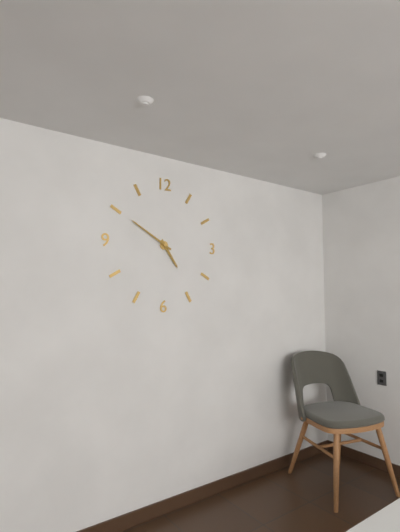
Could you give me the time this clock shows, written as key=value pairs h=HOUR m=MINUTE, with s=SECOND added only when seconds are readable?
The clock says h=4 m=50
